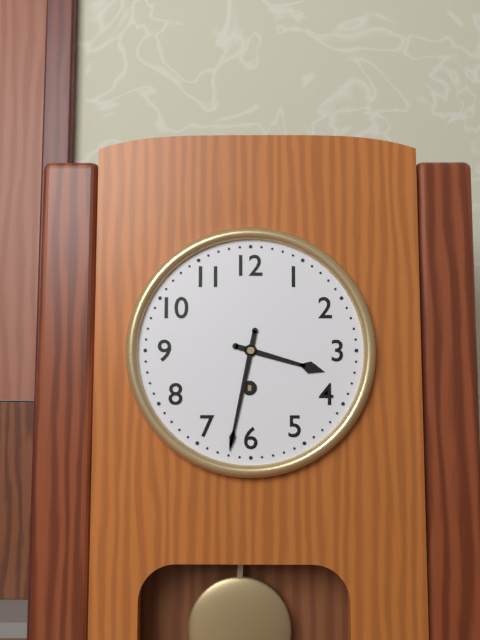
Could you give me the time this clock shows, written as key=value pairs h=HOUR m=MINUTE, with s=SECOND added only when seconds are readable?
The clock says h=3 m=32
